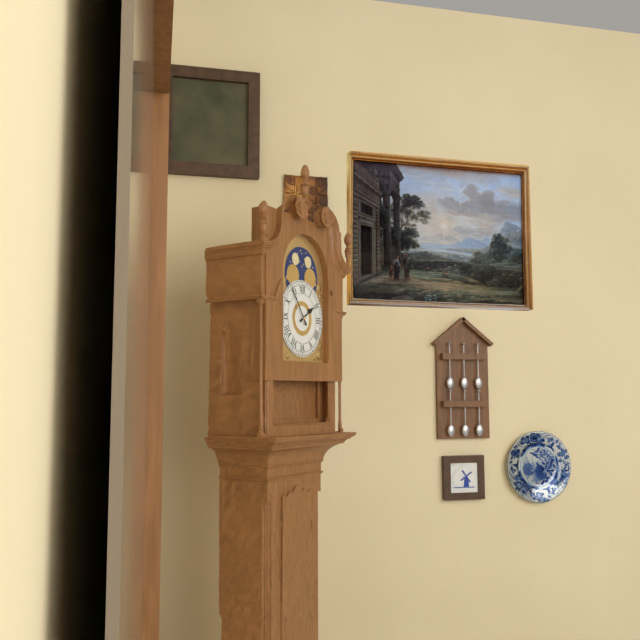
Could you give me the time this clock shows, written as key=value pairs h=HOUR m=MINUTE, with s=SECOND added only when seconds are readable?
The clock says h=1 m=54
